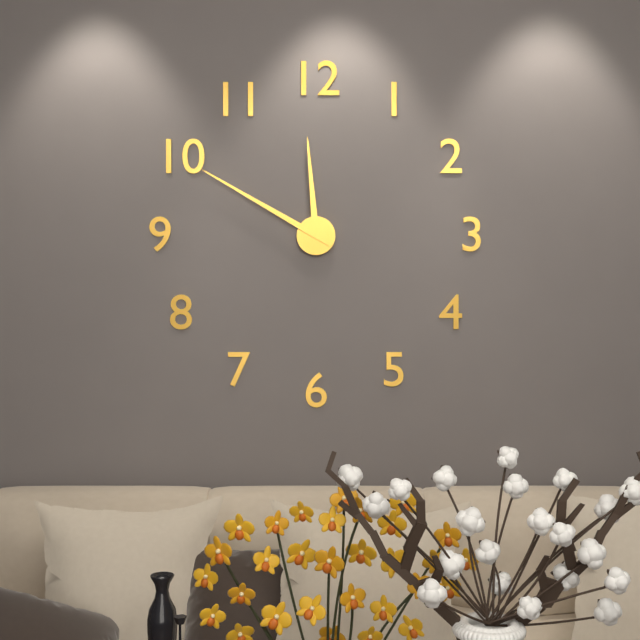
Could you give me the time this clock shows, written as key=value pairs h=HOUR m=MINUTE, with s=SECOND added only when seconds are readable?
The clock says h=11 m=50
